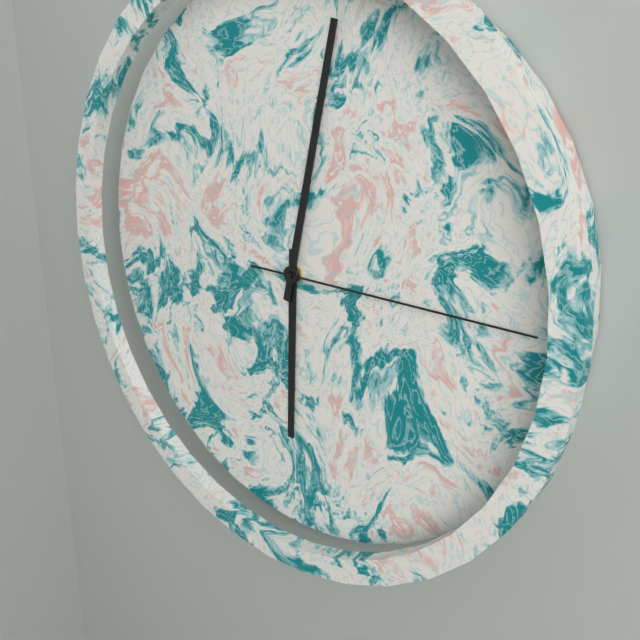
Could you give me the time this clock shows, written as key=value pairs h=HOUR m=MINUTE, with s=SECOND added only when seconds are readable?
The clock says h=6 m=2 s=15
